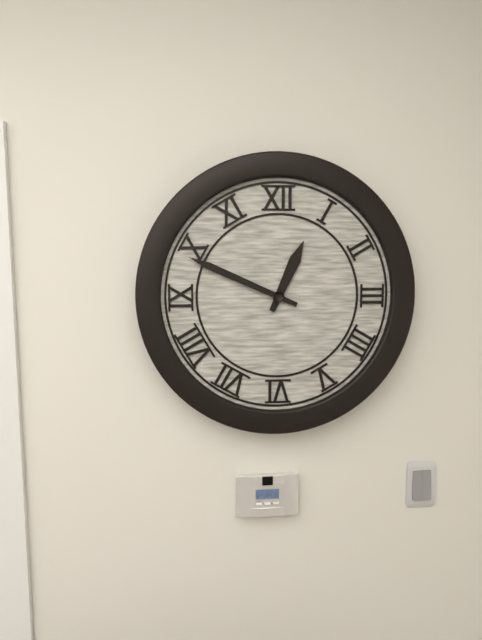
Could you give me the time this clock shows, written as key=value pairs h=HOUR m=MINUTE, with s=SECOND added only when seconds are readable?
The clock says h=12 m=49
